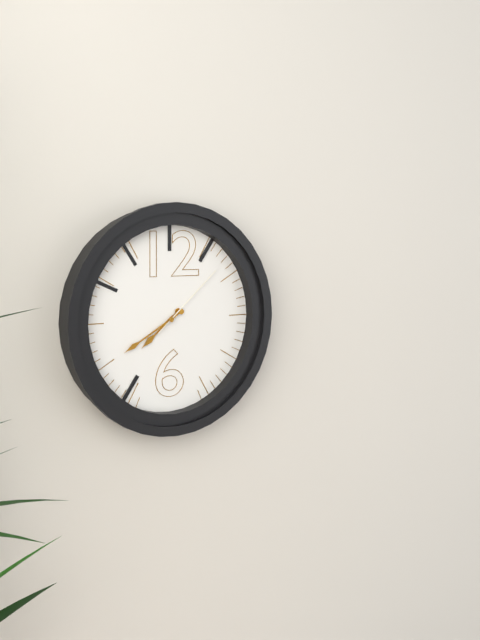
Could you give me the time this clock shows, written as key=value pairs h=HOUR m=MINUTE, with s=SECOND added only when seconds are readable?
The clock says h=7 m=40 s=8
